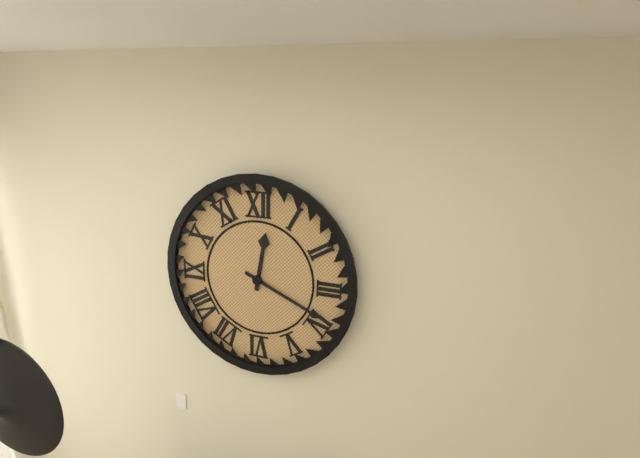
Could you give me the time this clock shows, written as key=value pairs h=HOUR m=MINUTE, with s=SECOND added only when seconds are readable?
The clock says h=12 m=19
